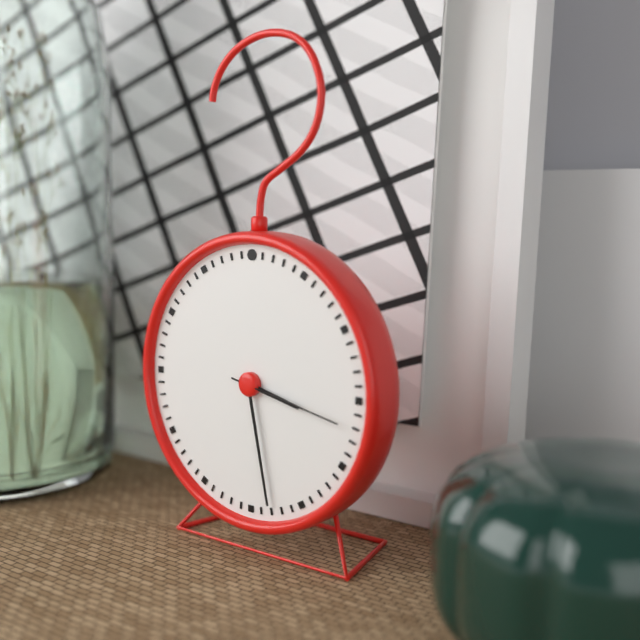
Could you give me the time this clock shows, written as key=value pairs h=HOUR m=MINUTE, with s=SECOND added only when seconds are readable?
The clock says h=3 m=28 s=17
